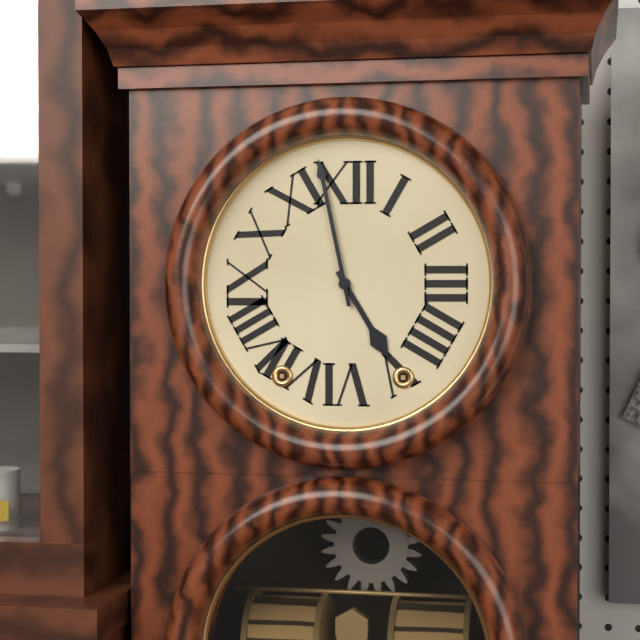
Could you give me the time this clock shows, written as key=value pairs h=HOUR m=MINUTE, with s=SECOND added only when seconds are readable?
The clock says h=4 m=58
